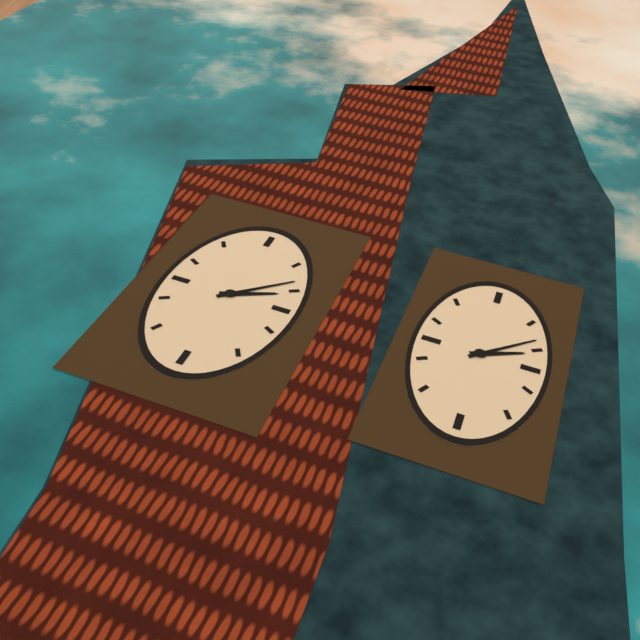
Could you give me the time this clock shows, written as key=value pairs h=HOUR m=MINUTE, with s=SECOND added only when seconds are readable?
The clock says h=2 m=8
